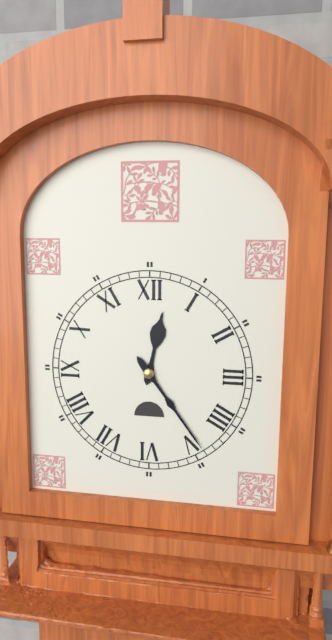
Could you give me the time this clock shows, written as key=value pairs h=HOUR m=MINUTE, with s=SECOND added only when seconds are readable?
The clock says h=12 m=24
